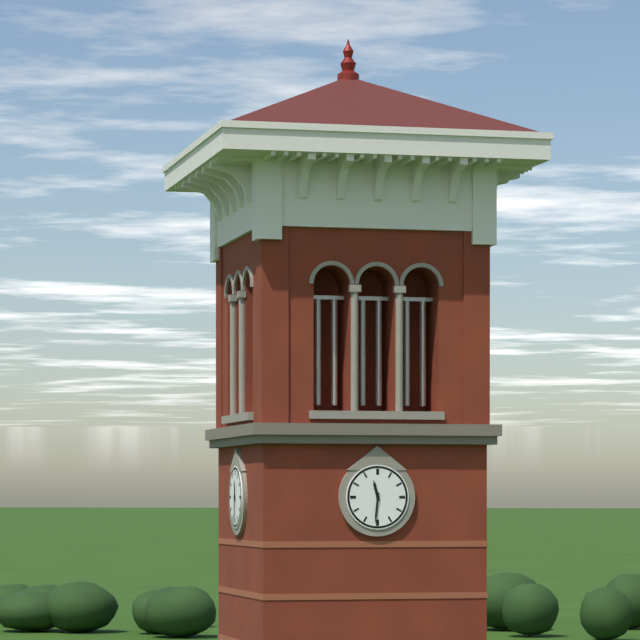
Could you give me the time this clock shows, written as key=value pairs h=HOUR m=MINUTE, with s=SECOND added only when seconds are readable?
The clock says h=11 m=31
